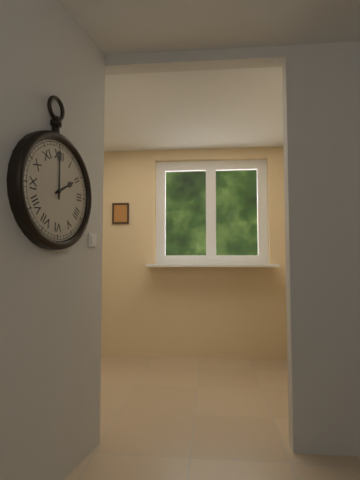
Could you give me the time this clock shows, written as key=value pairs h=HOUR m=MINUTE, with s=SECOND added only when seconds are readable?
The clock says h=2 m=0
